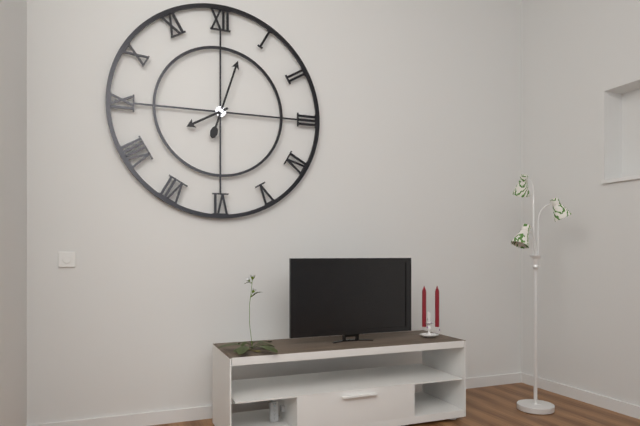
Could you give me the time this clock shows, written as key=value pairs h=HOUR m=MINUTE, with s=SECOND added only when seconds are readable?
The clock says h=8 m=3
